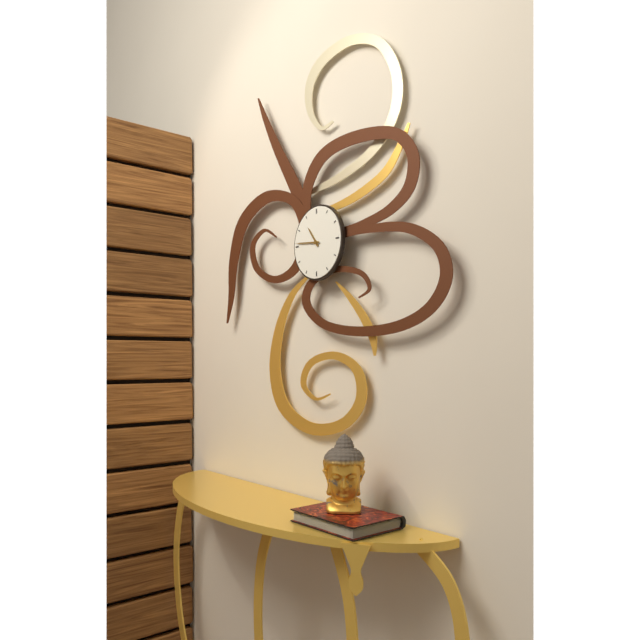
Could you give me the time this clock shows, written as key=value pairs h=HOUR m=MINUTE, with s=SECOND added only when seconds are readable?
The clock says h=10 m=46
